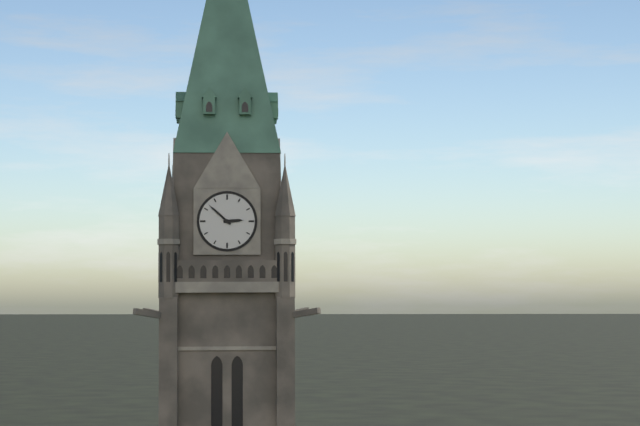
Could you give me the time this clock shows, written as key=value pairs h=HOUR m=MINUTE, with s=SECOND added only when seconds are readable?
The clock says h=2 m=52
